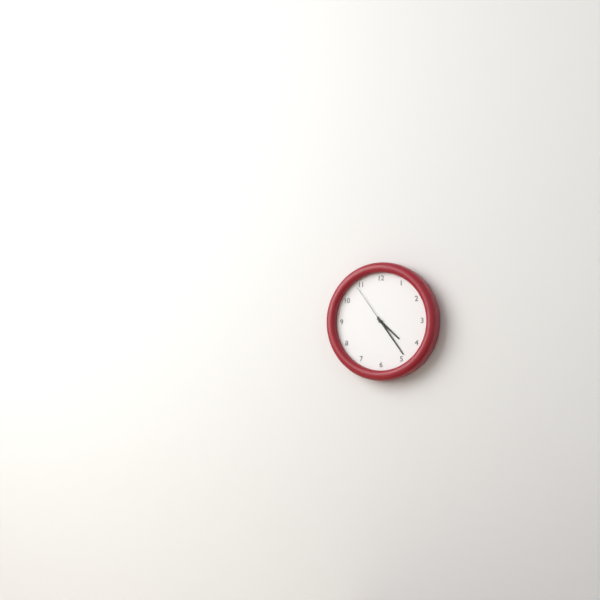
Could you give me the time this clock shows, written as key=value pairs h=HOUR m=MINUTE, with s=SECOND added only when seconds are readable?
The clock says h=4 m=24 s=54
